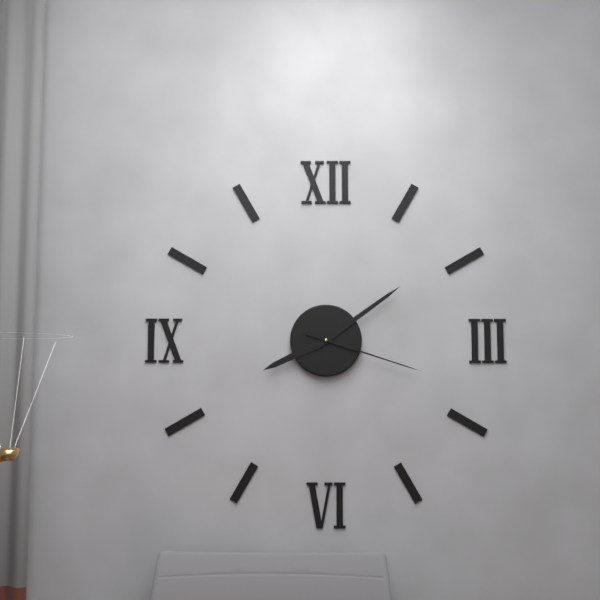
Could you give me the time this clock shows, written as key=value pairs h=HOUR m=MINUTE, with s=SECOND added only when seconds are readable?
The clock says h=8 m=9 s=18
